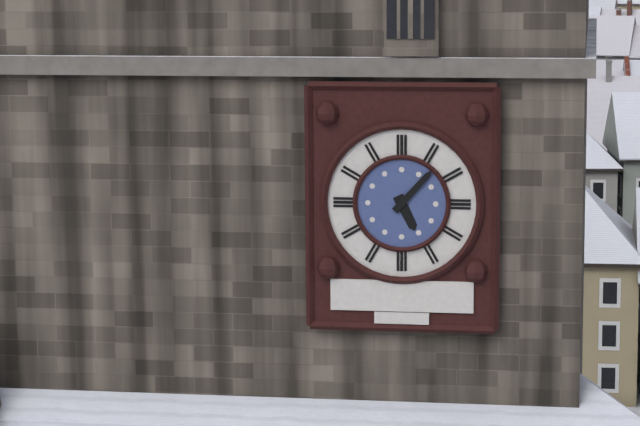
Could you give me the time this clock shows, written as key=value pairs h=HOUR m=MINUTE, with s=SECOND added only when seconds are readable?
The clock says h=5 m=7
